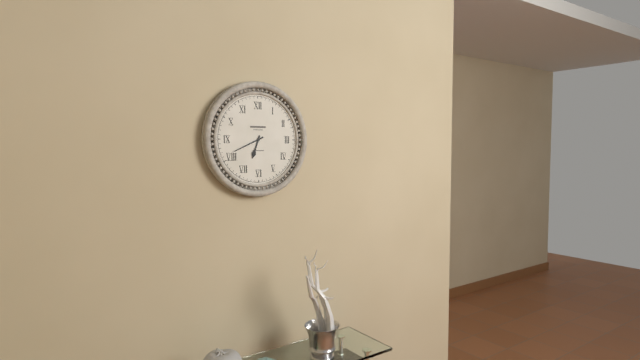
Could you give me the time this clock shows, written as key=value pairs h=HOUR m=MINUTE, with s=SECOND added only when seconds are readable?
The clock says h=6 m=41
